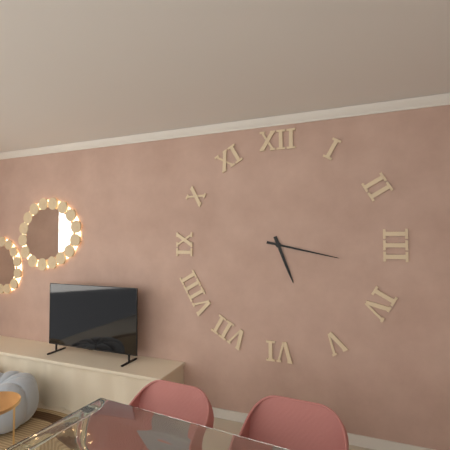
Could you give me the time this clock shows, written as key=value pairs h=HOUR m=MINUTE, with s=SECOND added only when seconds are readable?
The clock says h=5 m=17
